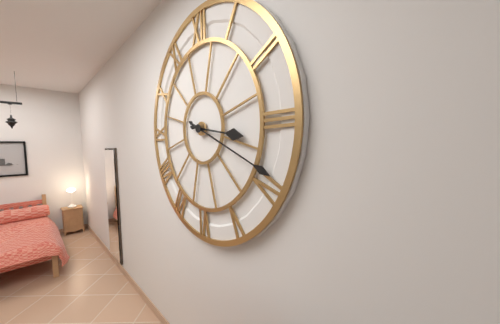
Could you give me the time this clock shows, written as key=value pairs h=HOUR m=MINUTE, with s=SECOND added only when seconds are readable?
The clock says h=3 m=19
